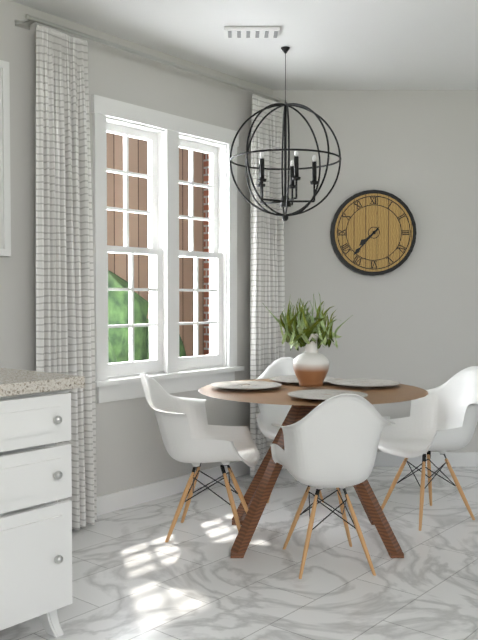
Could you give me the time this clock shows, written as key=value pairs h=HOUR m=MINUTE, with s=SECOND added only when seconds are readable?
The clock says h=7 m=37
